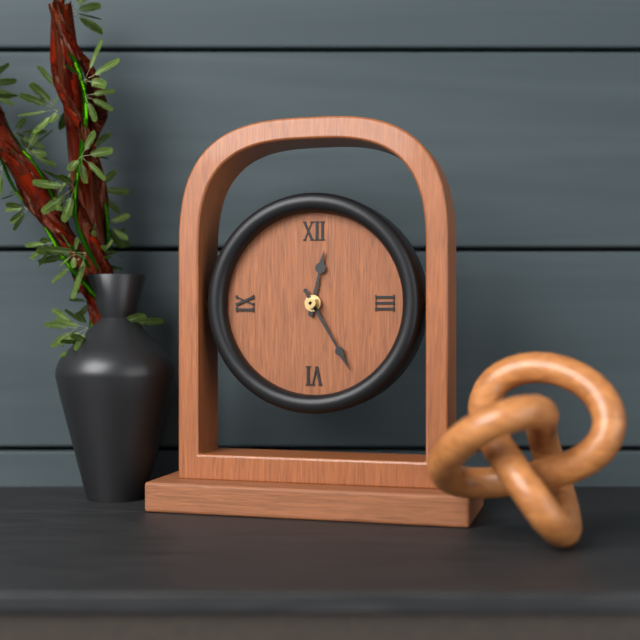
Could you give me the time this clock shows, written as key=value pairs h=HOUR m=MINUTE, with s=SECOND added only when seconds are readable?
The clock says h=12 m=25
